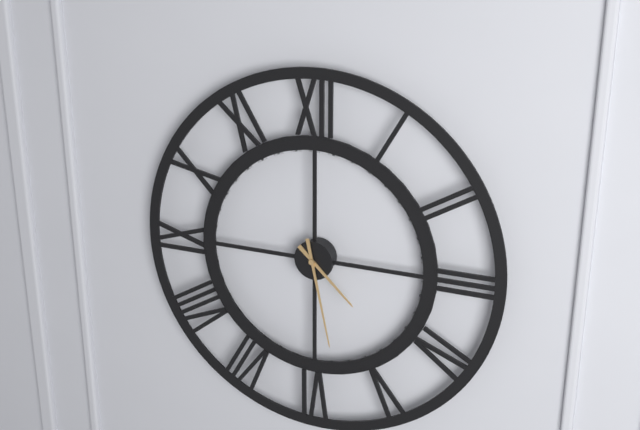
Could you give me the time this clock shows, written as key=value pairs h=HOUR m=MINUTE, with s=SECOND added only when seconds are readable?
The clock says h=4 m=28
